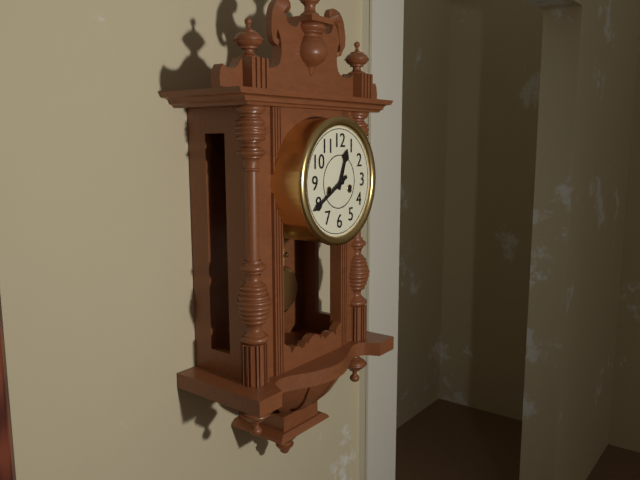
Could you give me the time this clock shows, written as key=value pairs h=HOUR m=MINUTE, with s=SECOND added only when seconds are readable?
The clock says h=12 m=40
